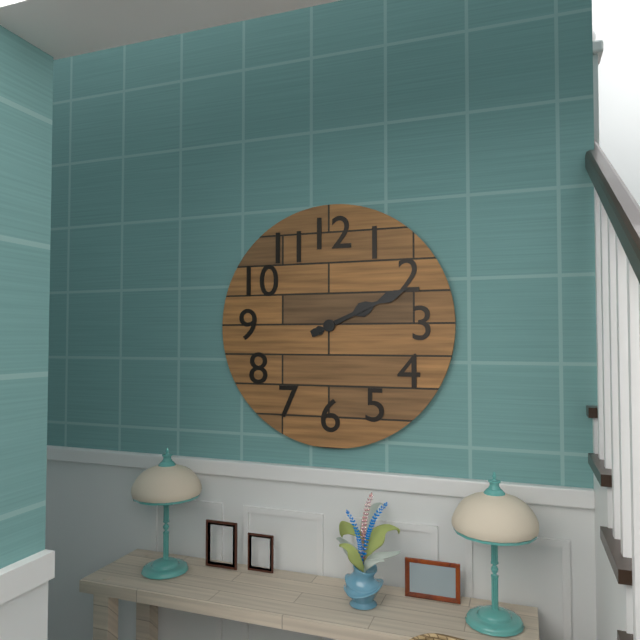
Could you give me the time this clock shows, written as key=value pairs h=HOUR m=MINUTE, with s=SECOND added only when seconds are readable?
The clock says h=2 m=11
